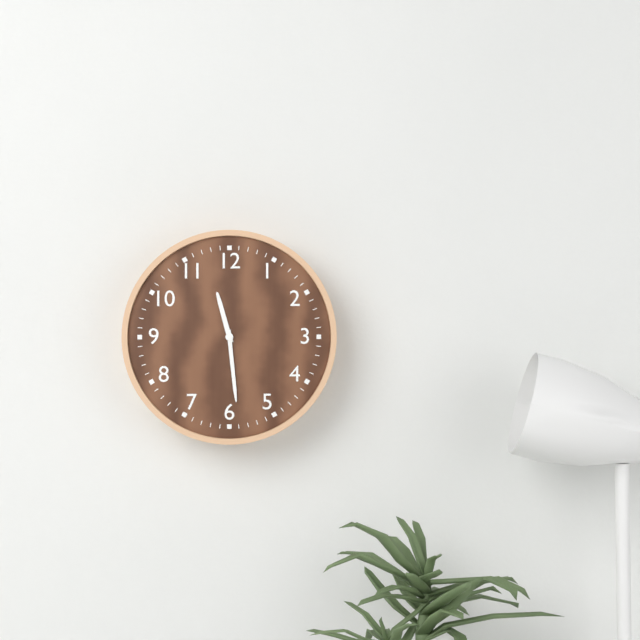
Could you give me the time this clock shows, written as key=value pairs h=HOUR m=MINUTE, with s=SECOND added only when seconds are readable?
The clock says h=11 m=29
